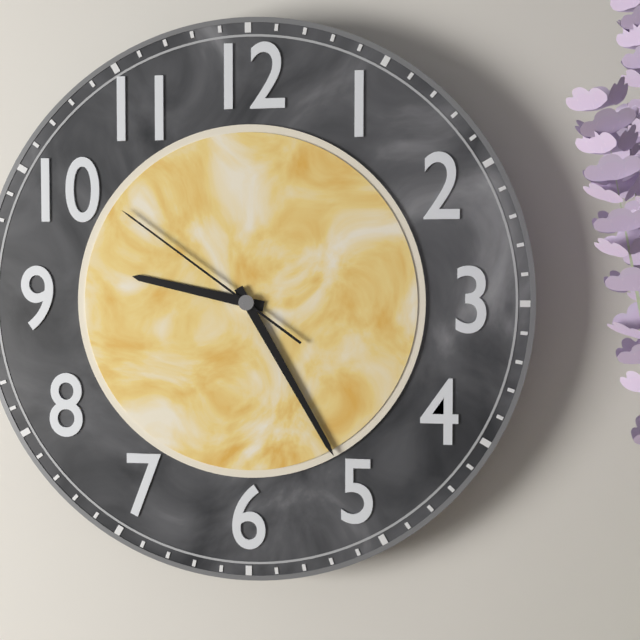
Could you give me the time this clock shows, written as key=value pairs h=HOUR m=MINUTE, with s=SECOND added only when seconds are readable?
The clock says h=9 m=25 s=51
